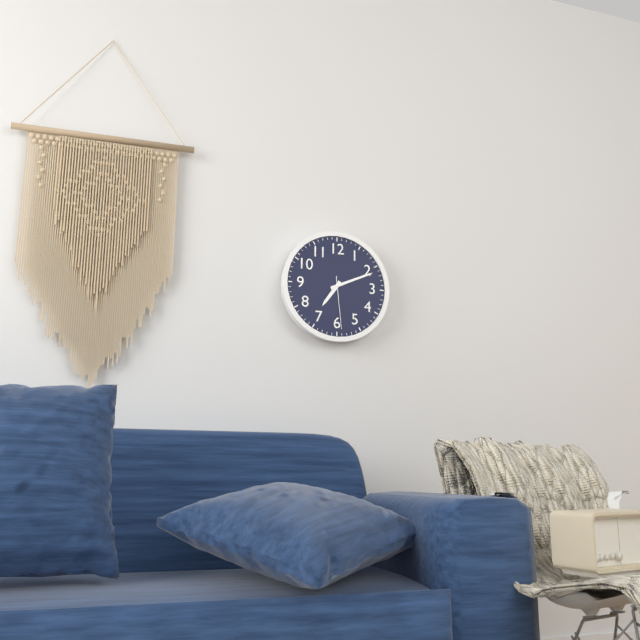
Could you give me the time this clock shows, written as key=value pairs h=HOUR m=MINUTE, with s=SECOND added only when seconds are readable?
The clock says h=7 m=11 s=29
